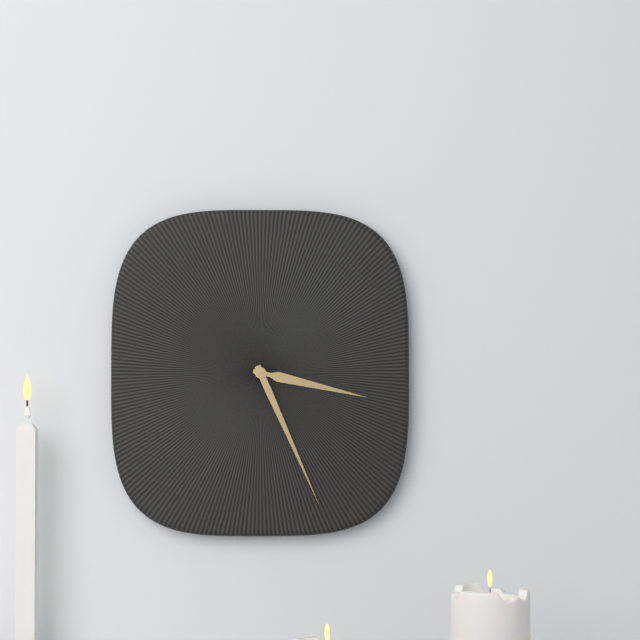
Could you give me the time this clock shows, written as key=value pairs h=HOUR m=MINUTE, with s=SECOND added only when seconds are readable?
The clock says h=3 m=26
